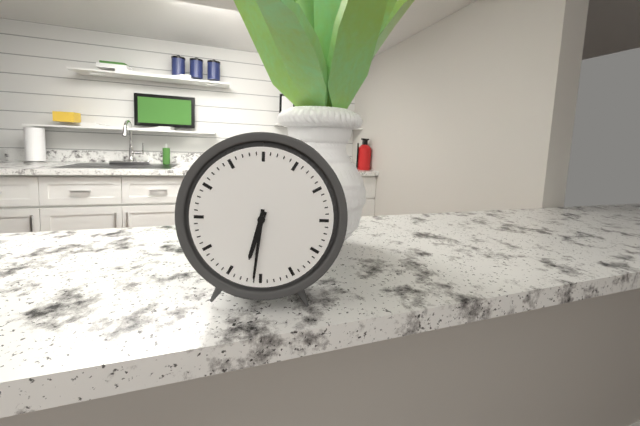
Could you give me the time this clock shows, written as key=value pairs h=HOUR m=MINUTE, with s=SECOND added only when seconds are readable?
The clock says h=6 m=31
